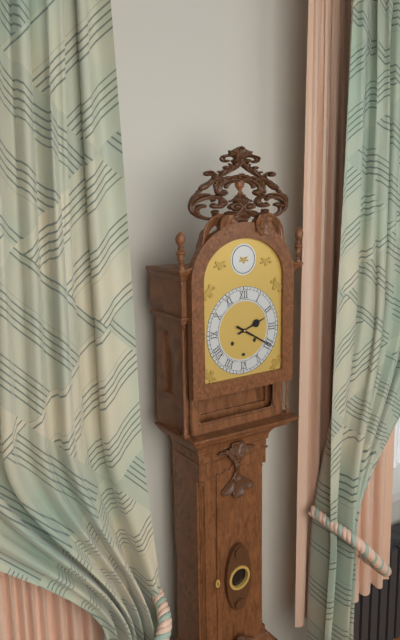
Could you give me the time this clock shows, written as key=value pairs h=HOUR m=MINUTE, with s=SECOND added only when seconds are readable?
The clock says h=2 m=20
